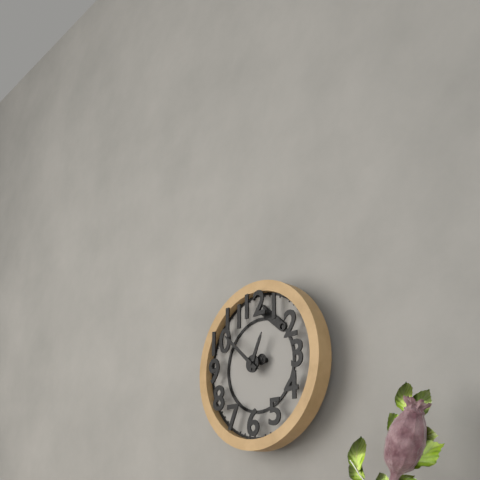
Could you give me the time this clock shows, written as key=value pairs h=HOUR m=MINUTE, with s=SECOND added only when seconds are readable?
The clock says h=12 m=52
